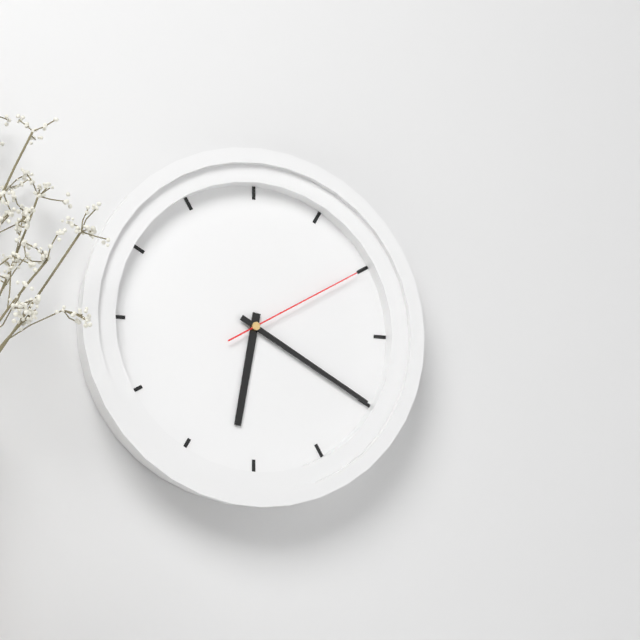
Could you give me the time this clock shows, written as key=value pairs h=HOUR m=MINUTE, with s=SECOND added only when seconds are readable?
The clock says h=6 m=20 s=10
